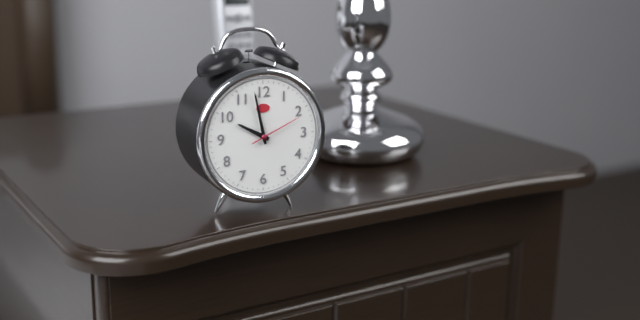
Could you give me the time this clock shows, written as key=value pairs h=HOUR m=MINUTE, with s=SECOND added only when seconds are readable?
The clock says h=9 m=58 s=11
